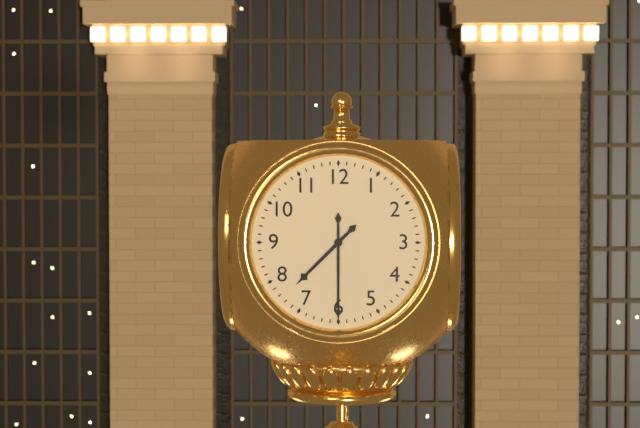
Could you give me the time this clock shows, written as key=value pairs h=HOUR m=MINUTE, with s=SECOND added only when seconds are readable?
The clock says h=7 m=30
